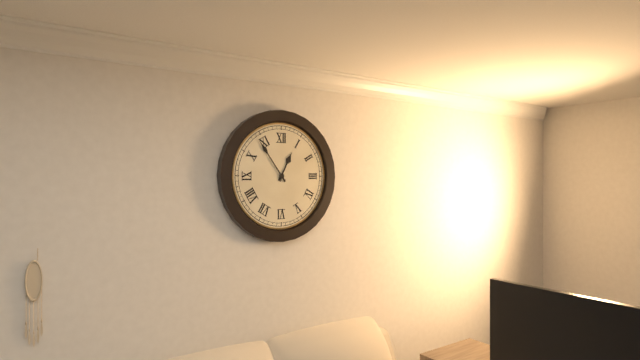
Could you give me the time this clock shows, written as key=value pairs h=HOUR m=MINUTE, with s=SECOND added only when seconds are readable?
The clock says h=12 m=54
